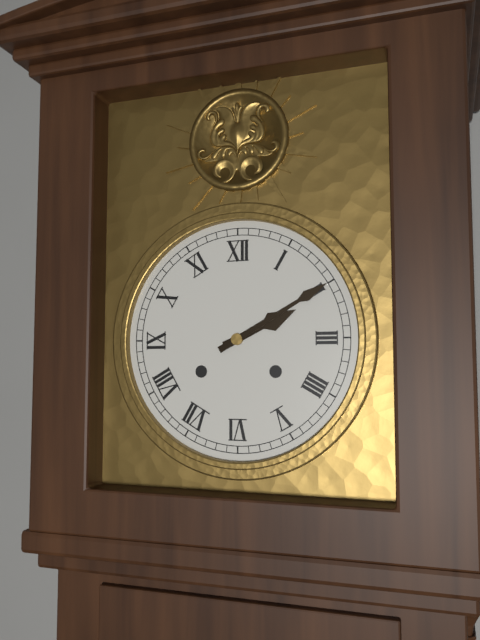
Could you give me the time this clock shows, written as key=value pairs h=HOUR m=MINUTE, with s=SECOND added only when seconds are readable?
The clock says h=2 m=10
